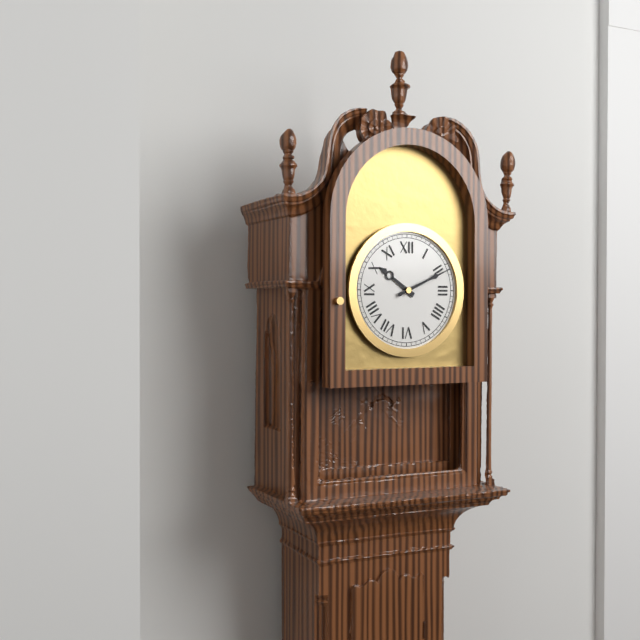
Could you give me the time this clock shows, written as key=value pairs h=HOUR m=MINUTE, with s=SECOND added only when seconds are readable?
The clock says h=10 m=11
